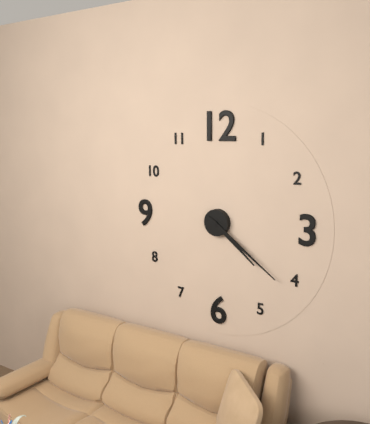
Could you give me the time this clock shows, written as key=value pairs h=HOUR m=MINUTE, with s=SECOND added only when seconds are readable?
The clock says h=4 m=21
